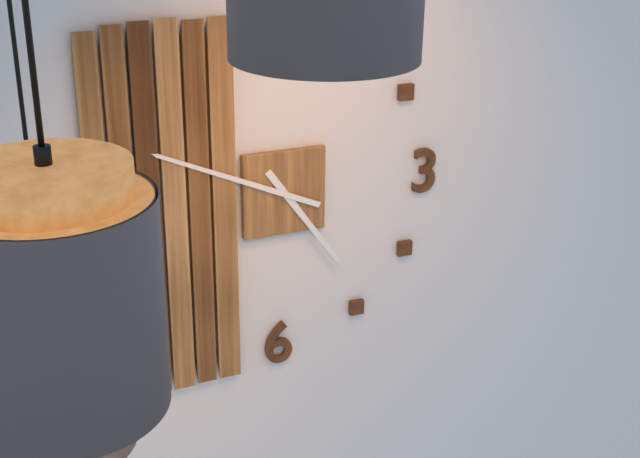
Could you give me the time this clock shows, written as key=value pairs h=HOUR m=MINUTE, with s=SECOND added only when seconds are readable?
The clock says h=4 m=49
